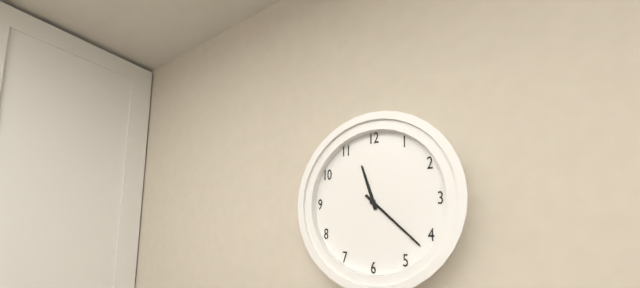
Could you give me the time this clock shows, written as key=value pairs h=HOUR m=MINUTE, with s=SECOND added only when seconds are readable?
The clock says h=11 m=22
